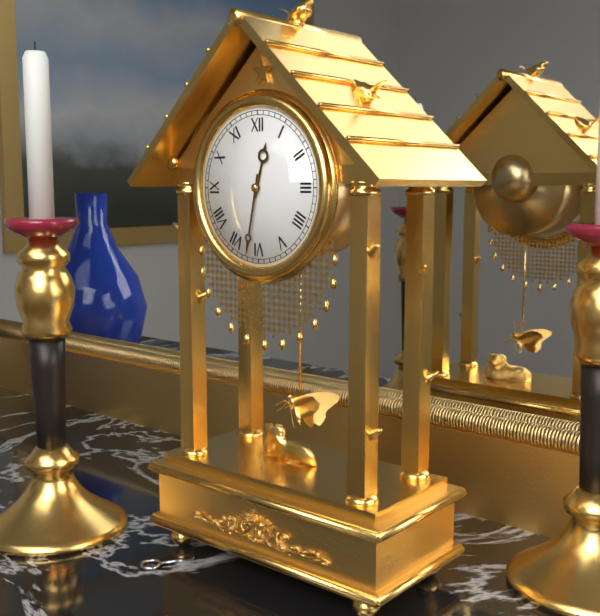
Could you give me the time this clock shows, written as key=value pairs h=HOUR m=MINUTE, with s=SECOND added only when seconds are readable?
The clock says h=12 m=32
